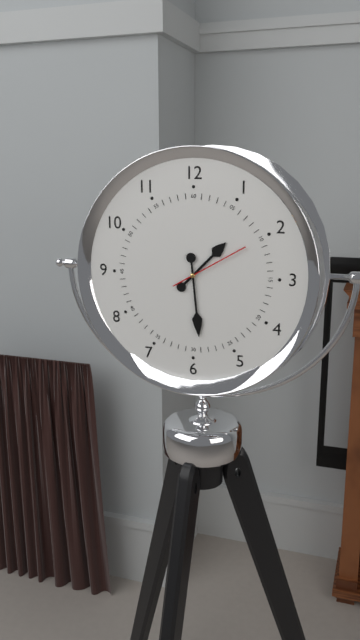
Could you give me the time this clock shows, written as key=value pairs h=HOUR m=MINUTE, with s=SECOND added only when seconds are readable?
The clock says h=1 m=29 s=10
